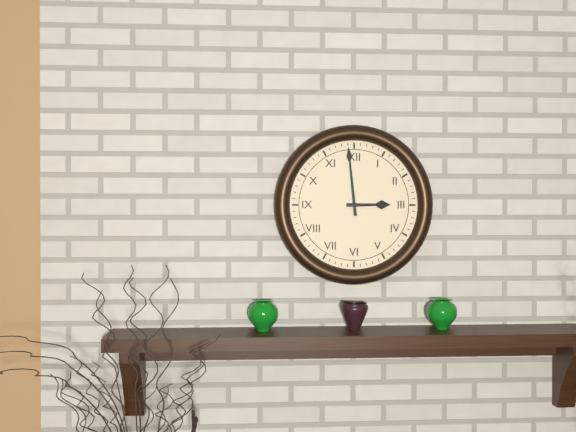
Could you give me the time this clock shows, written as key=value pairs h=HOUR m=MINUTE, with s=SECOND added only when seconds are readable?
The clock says h=2 m=59
